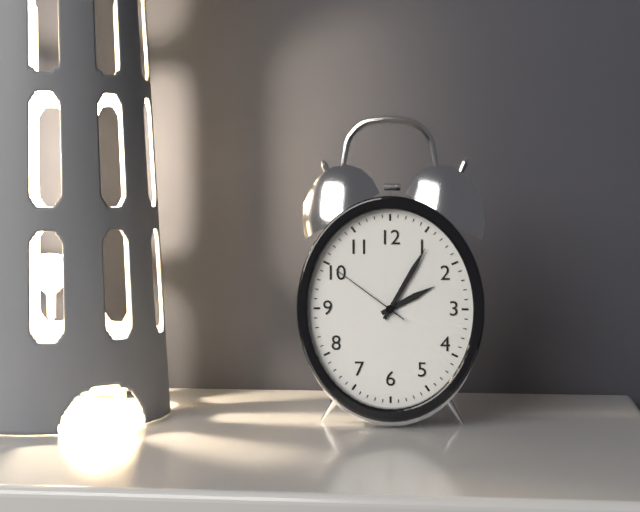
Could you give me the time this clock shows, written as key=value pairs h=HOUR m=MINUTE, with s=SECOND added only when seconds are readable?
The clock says h=2 m=5 s=51
